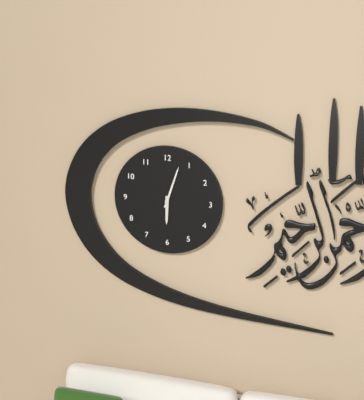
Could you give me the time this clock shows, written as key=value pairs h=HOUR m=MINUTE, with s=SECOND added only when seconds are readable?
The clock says h=6 m=3
